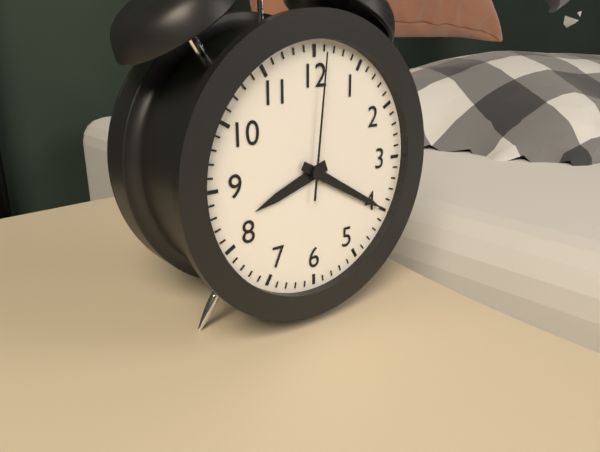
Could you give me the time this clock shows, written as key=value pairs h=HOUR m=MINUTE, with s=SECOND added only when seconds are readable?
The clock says h=8 m=20 s=1
